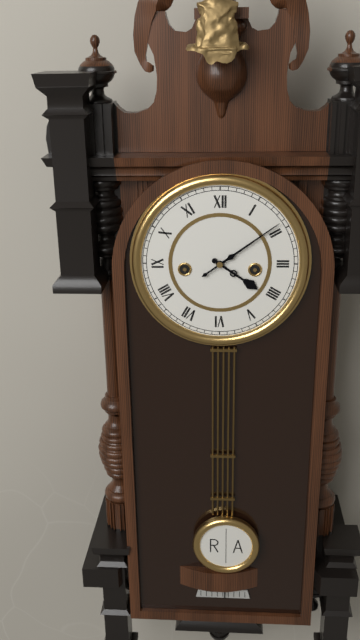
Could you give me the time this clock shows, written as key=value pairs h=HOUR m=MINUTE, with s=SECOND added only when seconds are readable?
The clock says h=4 m=9
